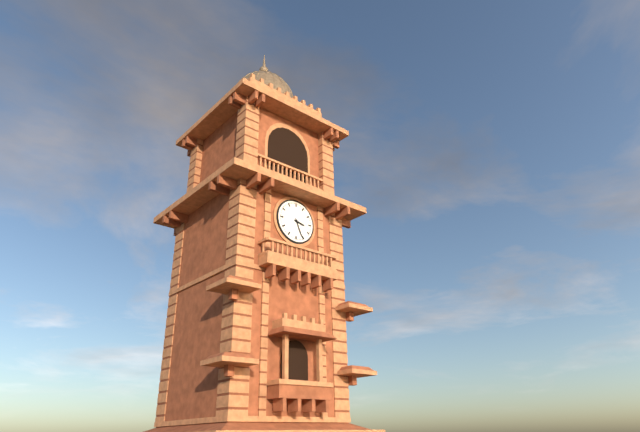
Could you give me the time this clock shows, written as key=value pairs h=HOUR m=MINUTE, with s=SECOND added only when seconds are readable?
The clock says h=3 m=26
